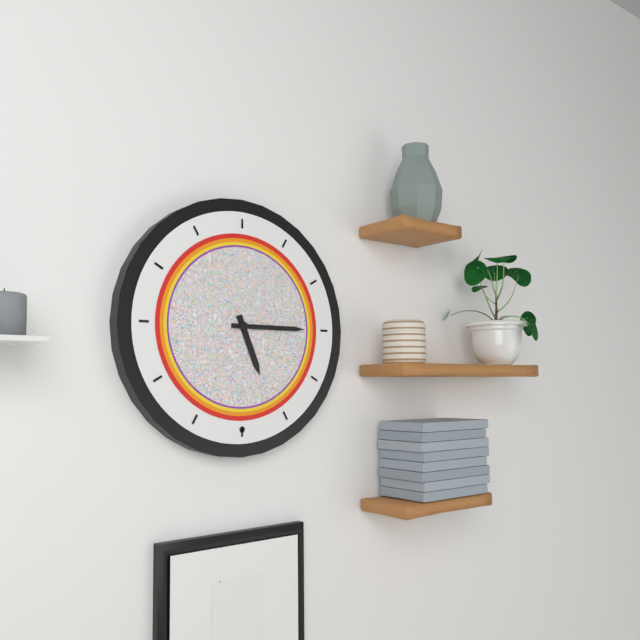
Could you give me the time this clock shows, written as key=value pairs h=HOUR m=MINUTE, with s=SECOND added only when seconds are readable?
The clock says h=5 m=15
